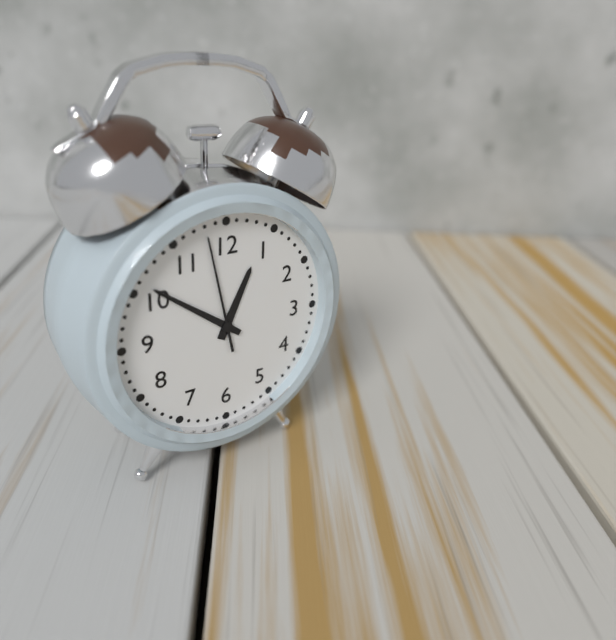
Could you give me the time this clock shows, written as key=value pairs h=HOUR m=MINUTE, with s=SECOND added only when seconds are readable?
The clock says h=12 m=51 s=58
